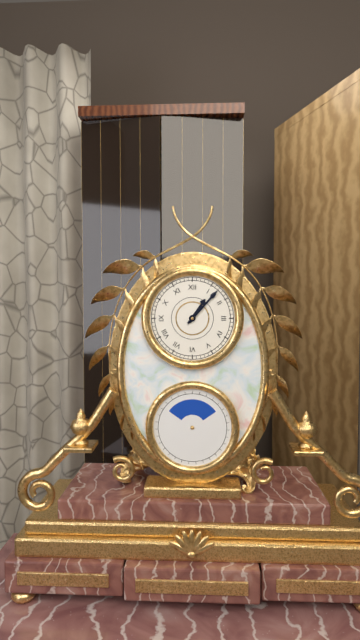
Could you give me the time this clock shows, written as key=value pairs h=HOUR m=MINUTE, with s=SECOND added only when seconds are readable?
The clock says h=1 m=7
